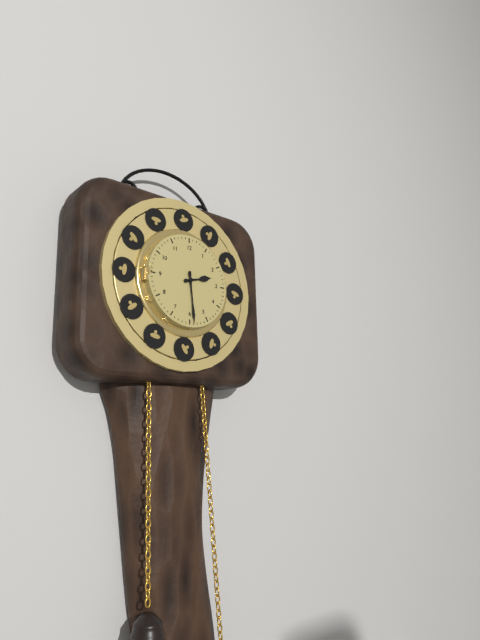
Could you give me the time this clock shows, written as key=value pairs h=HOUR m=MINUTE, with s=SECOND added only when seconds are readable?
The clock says h=2 m=29
